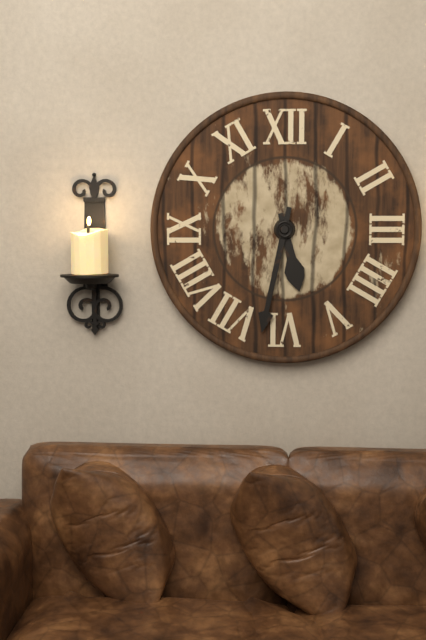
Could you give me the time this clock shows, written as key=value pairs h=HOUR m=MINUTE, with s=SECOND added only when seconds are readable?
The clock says h=5 m=32
